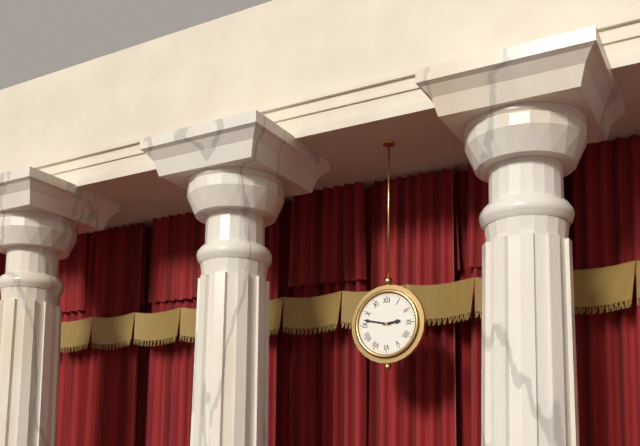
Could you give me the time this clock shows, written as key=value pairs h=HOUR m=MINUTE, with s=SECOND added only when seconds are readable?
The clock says h=2 m=47
